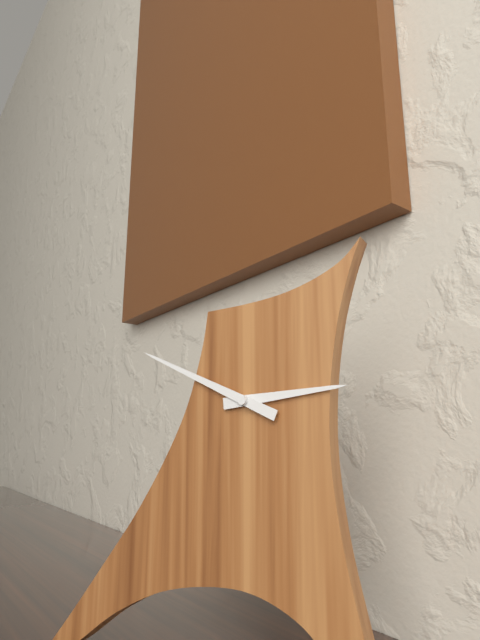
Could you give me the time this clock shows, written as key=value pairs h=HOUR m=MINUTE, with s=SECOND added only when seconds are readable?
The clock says h=2 m=49
